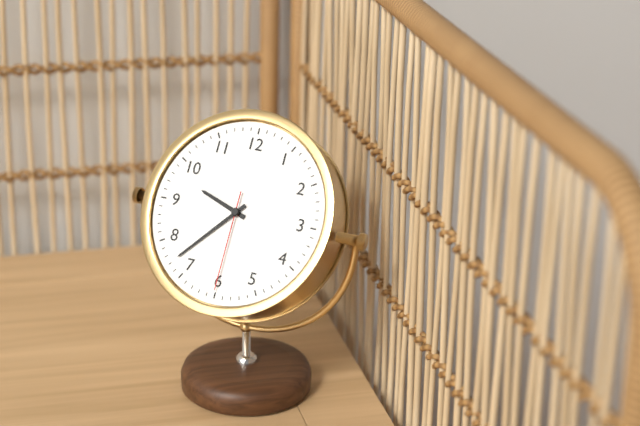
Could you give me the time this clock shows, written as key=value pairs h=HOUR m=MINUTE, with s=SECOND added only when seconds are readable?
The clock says h=9 m=37 s=30
